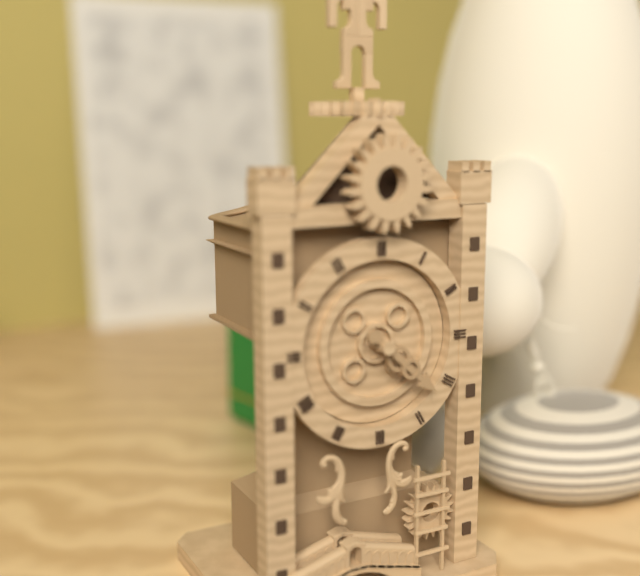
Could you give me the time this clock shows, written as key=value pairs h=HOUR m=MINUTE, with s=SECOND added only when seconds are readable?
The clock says h=4 m=22
